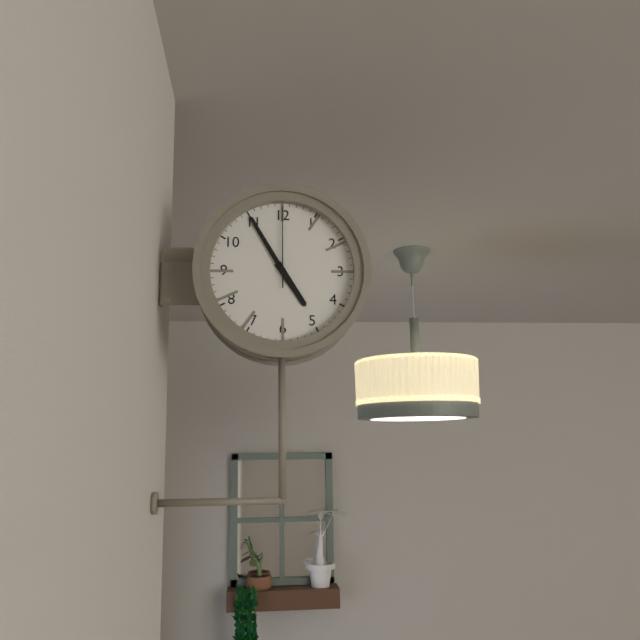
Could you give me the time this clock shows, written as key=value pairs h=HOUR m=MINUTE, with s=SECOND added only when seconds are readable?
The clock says h=4 m=55 s=0
